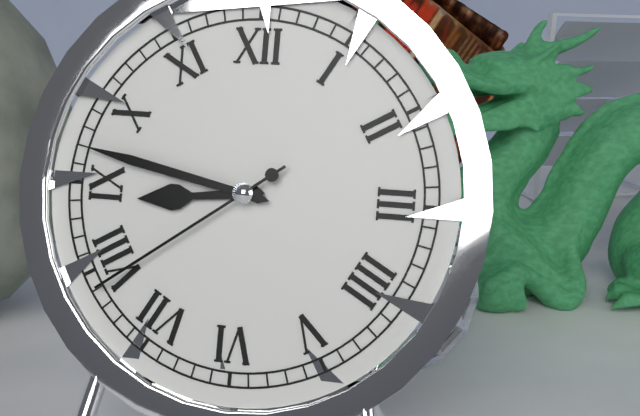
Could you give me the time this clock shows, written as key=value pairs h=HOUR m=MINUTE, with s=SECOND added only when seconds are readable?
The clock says h=8 m=47 s=39
